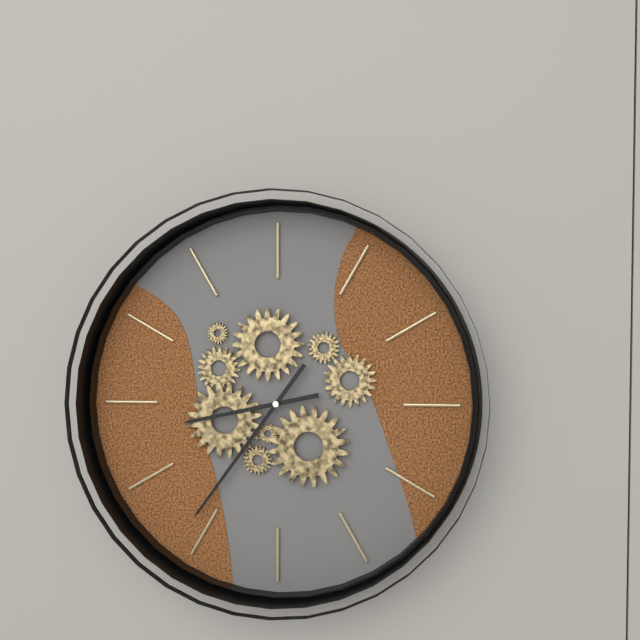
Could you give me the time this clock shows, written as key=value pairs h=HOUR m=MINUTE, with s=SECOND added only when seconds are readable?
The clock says h=8 m=36
